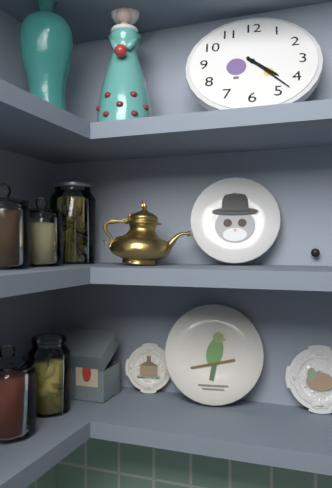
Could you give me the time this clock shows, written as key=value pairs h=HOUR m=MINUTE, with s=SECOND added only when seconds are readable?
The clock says h=4 m=23
